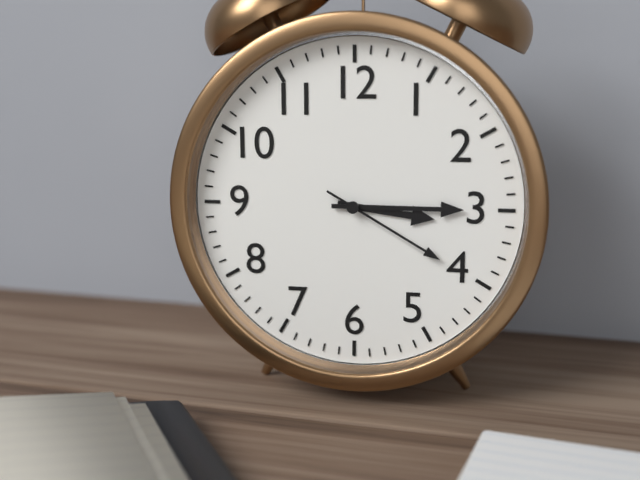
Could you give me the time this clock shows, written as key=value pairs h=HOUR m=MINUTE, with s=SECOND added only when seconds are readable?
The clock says h=3 m=15 s=20
